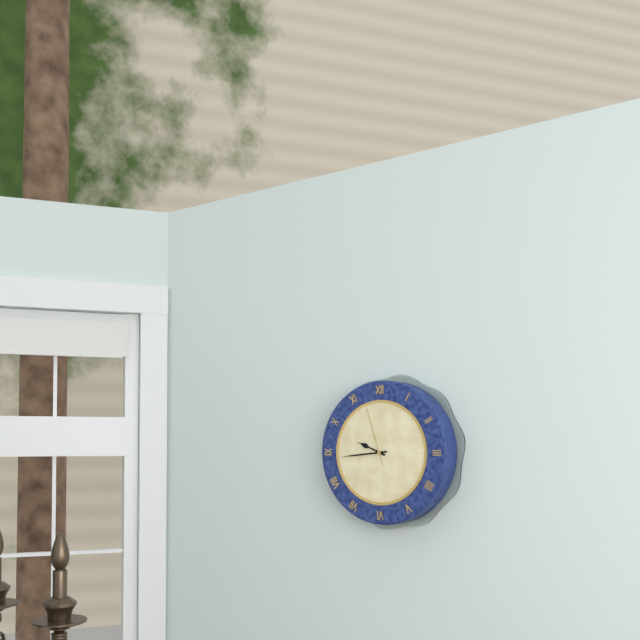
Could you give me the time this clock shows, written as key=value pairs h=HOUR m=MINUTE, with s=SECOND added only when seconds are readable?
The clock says h=9 m=44 s=57
